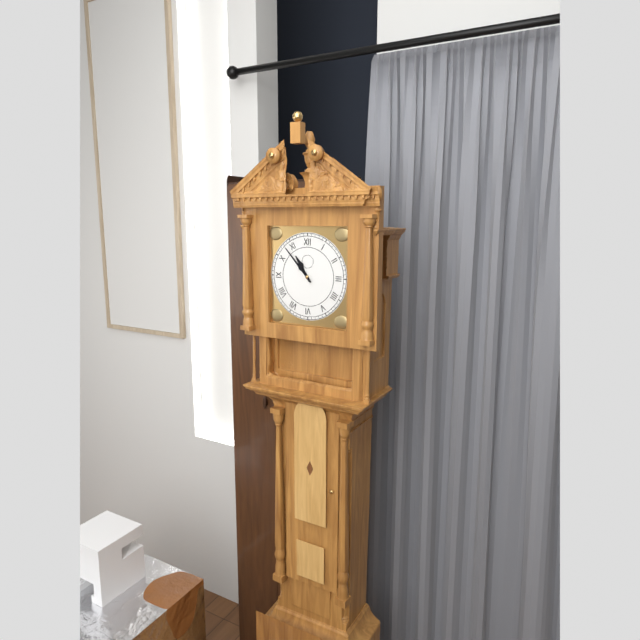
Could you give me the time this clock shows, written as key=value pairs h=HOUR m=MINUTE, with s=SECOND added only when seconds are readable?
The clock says h=10 m=53
